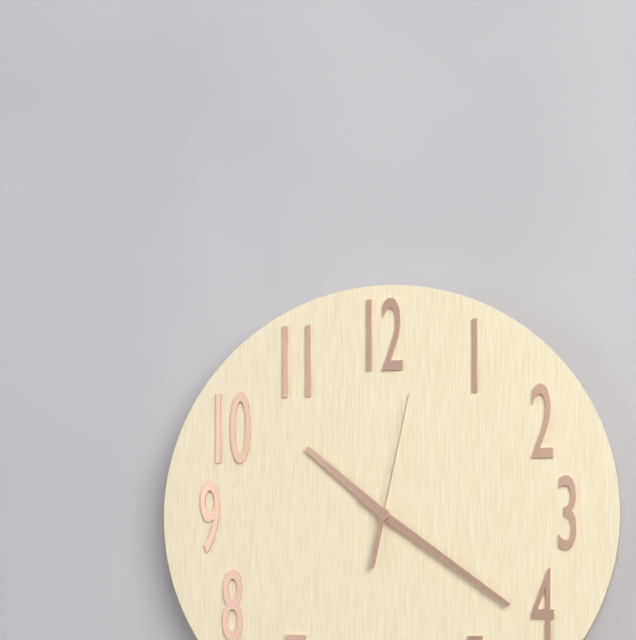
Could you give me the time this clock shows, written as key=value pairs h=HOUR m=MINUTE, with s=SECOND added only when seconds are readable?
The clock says h=10 m=21 s=2
